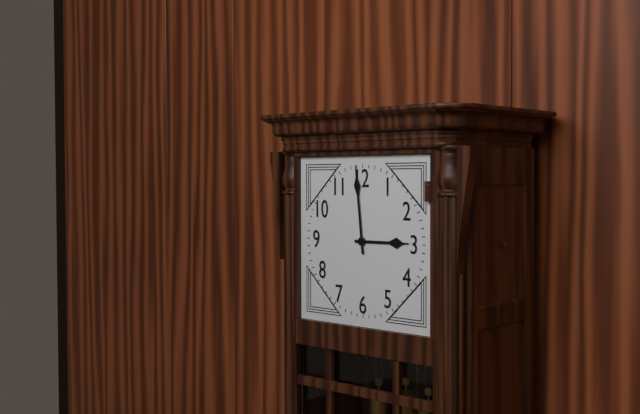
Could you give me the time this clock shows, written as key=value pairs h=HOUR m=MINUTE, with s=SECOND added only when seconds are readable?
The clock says h=2 m=59
